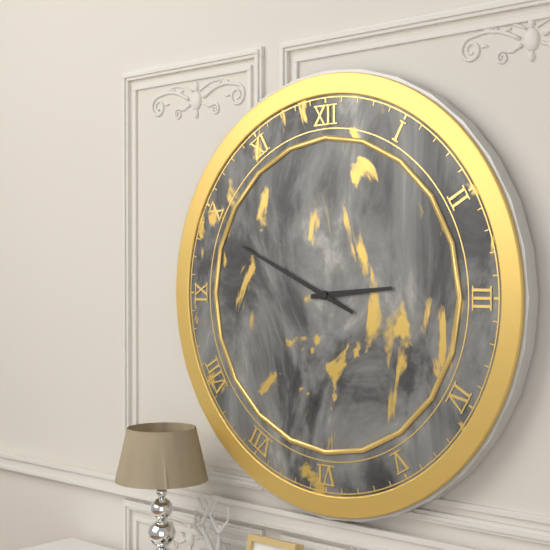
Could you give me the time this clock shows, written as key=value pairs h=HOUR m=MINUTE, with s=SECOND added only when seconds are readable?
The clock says h=2 m=49
